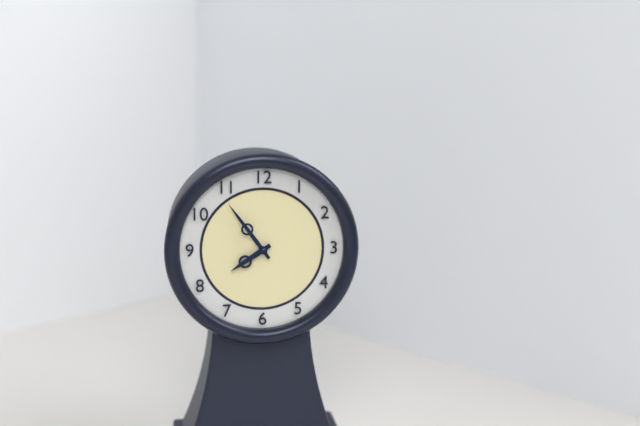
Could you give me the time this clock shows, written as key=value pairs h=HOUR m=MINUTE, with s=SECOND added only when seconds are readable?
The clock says h=7 m=54
